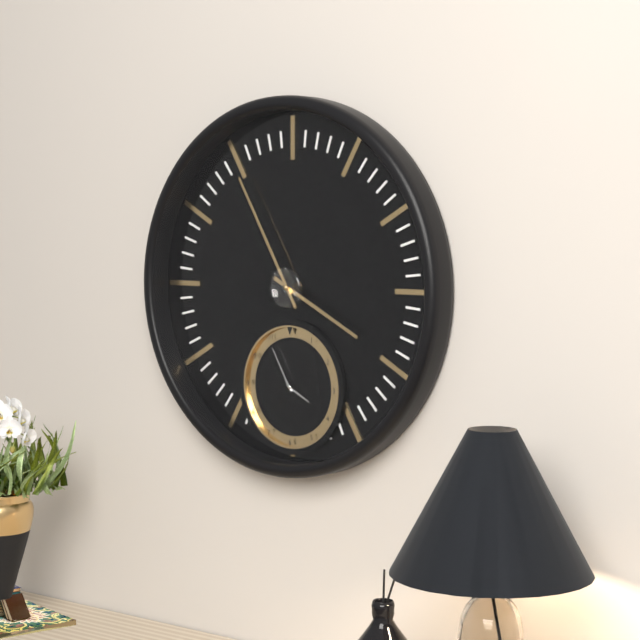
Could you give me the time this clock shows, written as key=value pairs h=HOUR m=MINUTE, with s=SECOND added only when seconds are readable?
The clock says h=3 m=55
